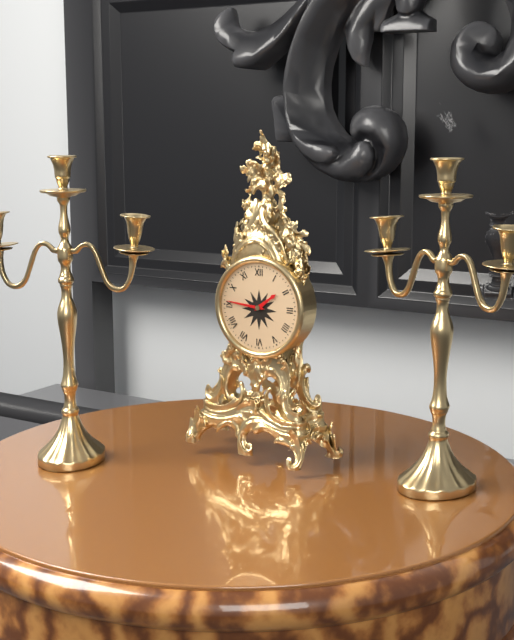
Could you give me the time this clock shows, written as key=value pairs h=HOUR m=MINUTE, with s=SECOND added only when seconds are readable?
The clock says h=1 m=46
